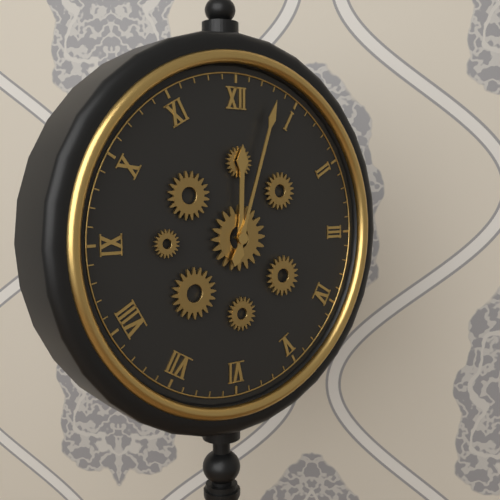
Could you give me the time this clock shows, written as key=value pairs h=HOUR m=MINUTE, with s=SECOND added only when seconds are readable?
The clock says h=12 m=3
